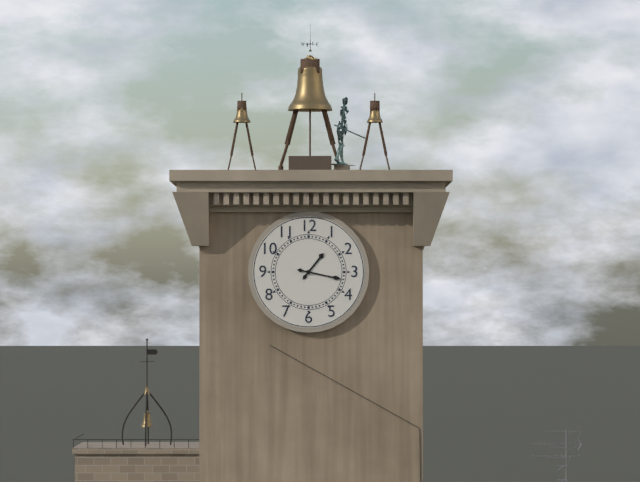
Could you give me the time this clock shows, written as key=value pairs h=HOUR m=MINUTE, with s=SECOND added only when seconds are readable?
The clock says h=1 m=17
